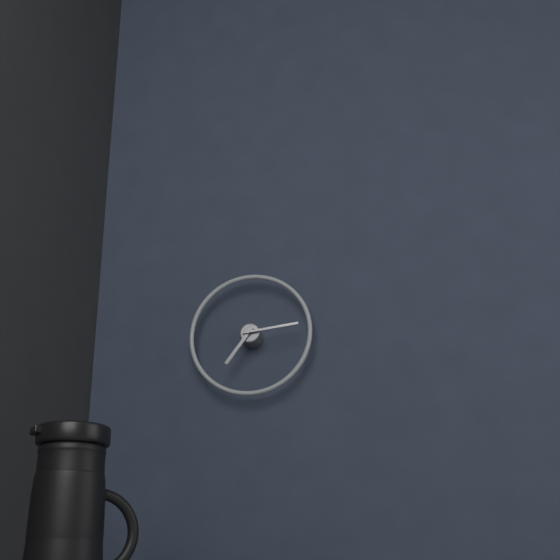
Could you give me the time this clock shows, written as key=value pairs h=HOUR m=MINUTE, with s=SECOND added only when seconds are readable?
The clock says h=7 m=14
